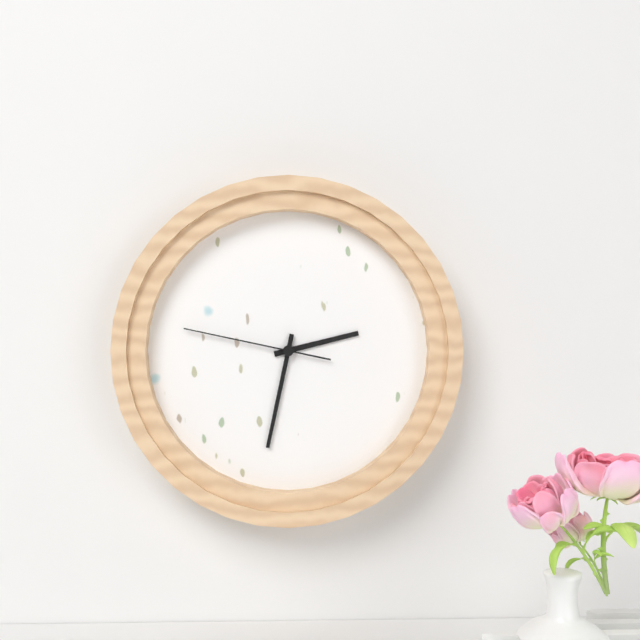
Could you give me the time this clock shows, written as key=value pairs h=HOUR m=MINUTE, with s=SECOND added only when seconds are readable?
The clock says h=2 m=32 s=47
